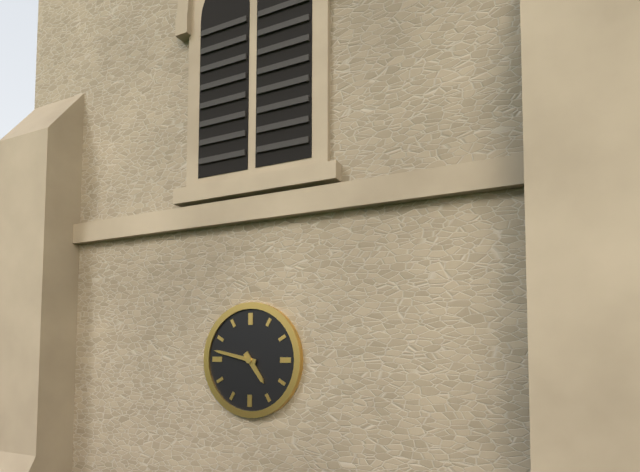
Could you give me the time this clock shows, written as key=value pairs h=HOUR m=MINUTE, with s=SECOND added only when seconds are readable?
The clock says h=4 m=47
